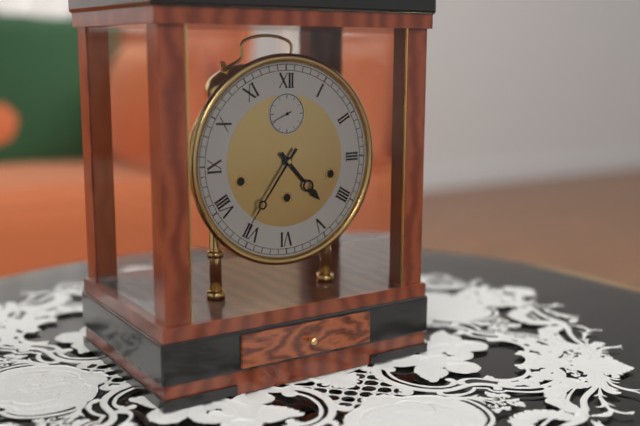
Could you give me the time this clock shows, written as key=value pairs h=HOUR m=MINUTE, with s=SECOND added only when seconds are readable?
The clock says h=4 m=36
